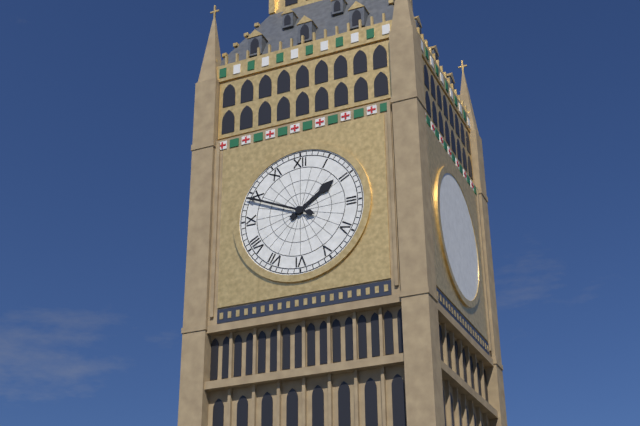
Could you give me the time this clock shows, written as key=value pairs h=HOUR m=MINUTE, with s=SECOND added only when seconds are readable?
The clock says h=1 m=49
